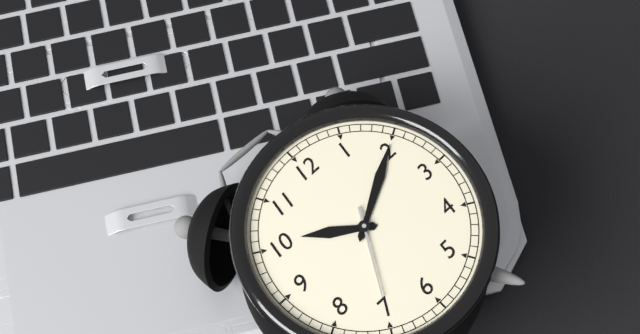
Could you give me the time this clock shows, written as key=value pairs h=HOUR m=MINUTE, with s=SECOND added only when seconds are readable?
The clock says h=10 m=10 s=35
